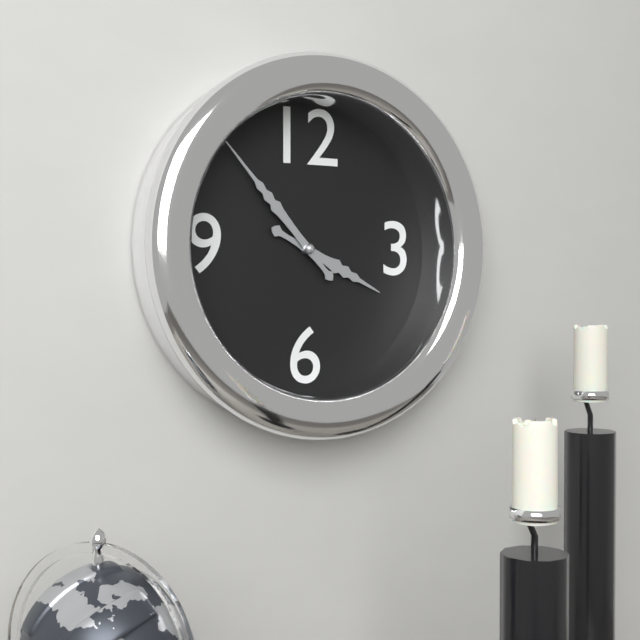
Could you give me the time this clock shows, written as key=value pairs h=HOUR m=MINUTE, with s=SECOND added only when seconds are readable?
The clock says h=3 m=53
